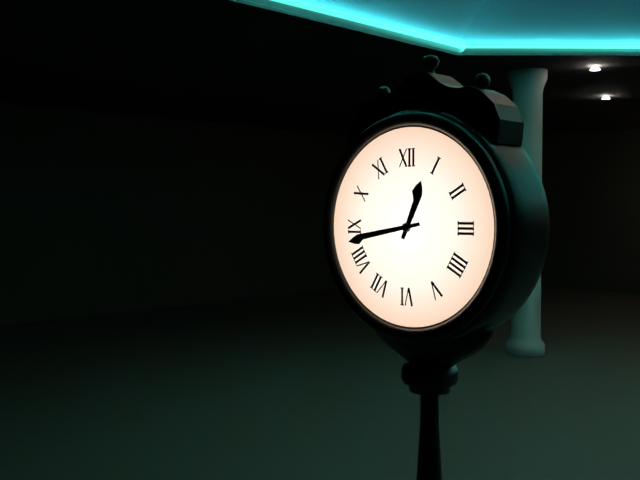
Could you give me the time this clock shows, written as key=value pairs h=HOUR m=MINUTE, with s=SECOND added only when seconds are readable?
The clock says h=12 m=43
